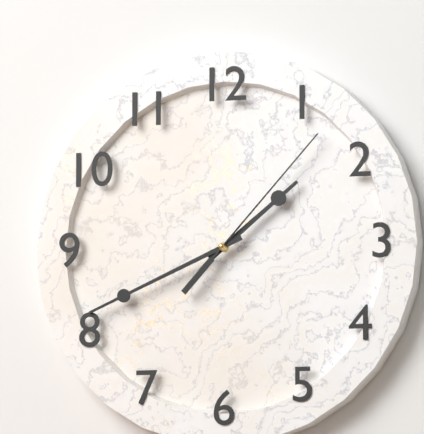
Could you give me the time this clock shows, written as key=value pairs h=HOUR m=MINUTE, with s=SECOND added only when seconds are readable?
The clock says h=1 m=41 s=7
